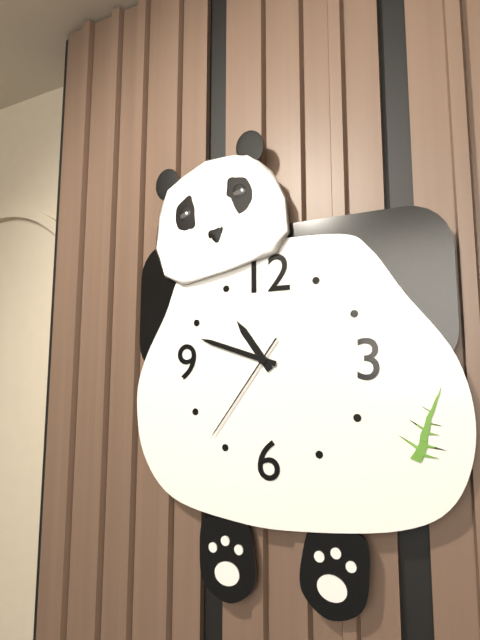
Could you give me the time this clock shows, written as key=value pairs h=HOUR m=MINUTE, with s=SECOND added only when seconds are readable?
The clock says h=10 m=48 s=36
